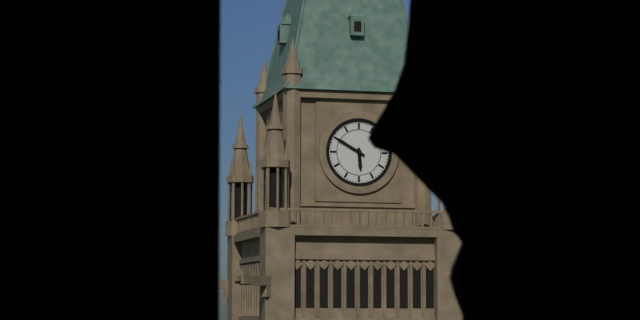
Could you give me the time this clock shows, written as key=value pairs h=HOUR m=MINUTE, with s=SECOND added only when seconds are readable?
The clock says h=5 m=50
